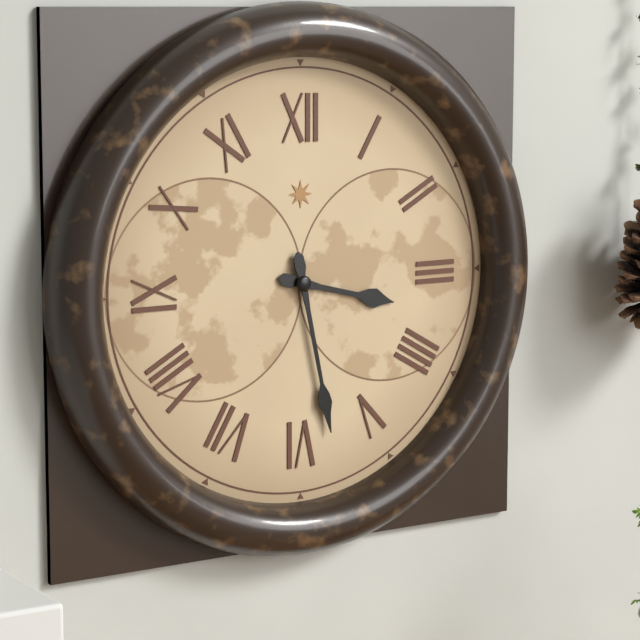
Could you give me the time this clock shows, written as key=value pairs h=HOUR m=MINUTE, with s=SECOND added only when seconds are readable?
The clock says h=3 m=28
